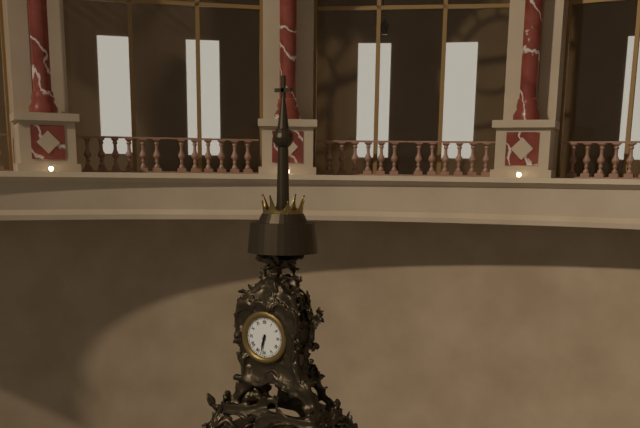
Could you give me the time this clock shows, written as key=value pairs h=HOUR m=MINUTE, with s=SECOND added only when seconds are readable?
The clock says h=6 m=32
